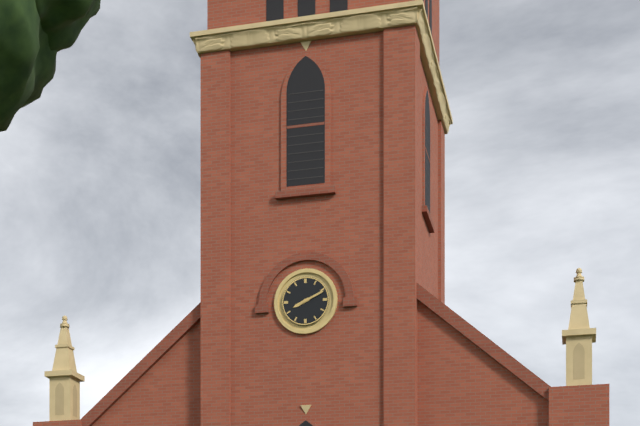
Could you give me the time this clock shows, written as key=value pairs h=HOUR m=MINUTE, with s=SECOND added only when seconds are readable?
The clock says h=8 m=11
